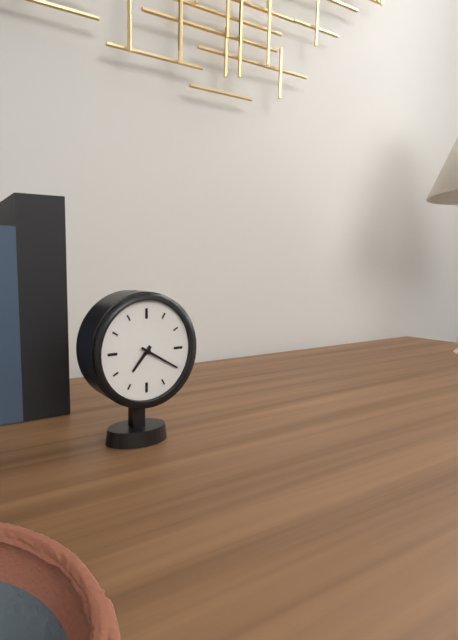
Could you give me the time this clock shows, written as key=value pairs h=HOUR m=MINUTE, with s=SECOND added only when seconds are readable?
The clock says h=7 m=20
